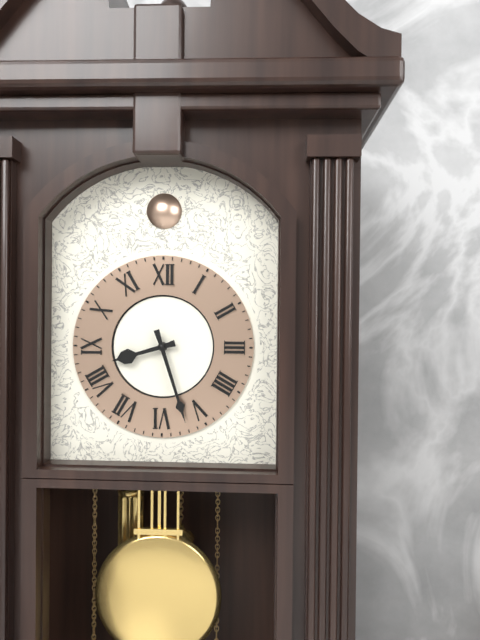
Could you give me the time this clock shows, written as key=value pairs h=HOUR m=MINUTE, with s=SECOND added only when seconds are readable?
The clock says h=8 m=27
